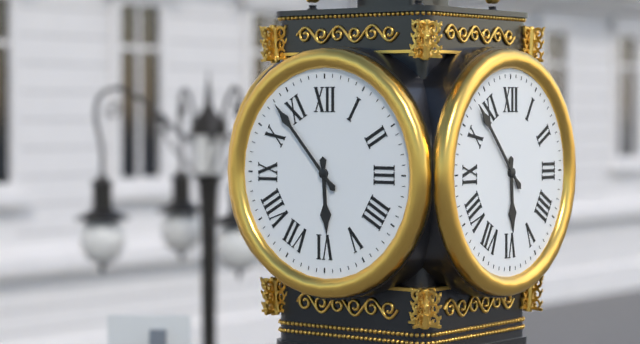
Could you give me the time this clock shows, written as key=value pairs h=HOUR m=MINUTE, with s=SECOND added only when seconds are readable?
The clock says h=5 m=53
